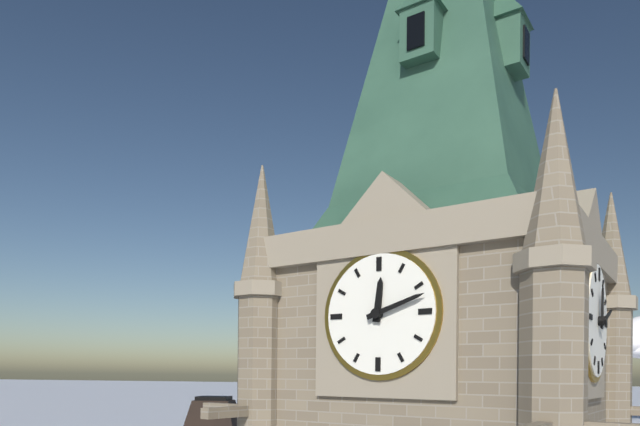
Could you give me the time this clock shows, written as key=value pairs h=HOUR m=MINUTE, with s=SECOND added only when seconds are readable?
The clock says h=12 m=12
